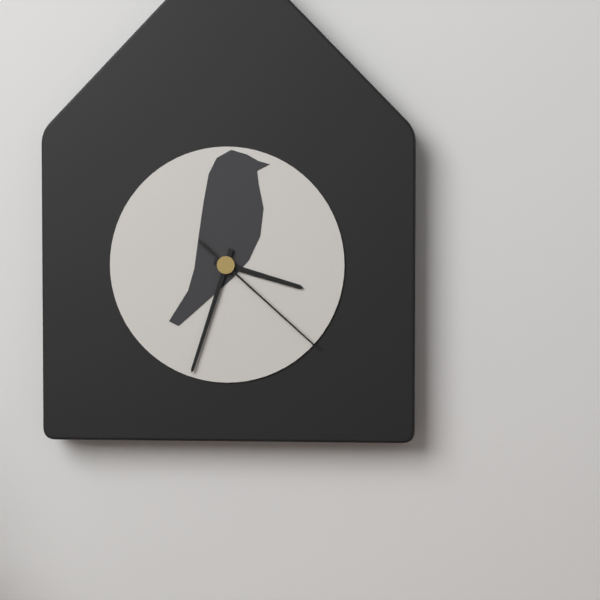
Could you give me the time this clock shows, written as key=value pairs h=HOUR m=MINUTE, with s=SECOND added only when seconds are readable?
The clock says h=3 m=33 s=22
